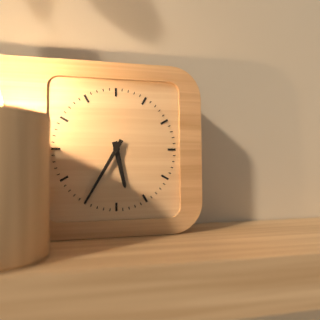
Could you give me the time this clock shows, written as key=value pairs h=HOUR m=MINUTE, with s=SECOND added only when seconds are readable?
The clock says h=5 m=35
